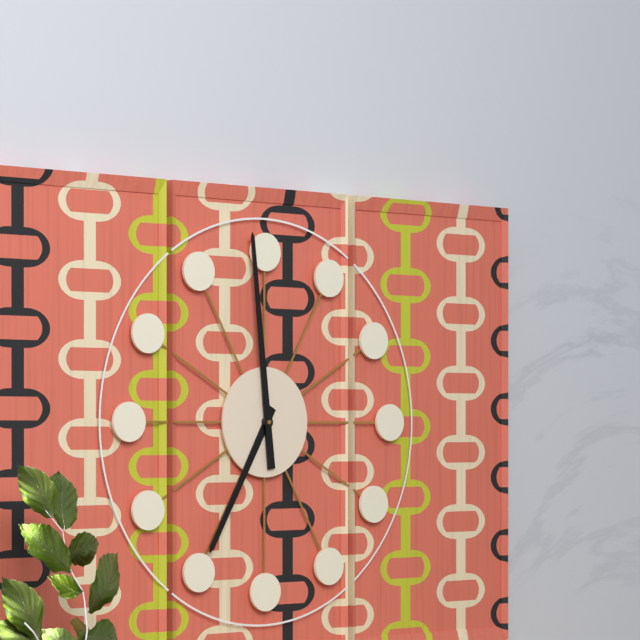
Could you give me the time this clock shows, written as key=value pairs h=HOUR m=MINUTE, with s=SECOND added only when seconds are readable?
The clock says h=6 m=59
